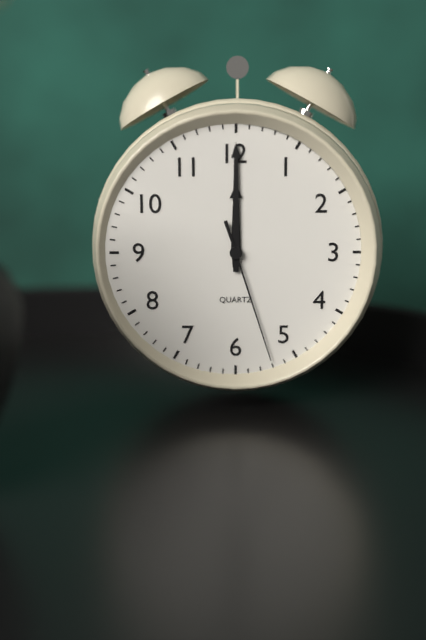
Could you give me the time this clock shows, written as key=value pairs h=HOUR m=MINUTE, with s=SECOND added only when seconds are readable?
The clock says h=12 m=0 s=27
